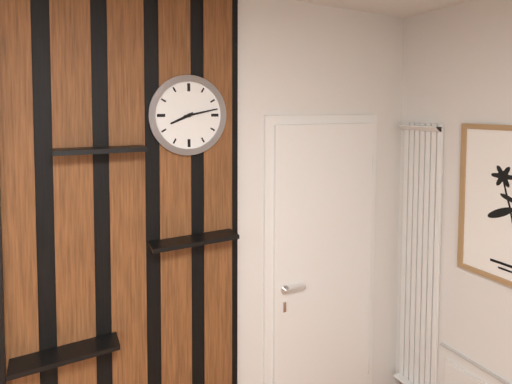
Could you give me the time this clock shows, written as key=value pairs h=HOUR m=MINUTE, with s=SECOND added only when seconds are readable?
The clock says h=8 m=13
